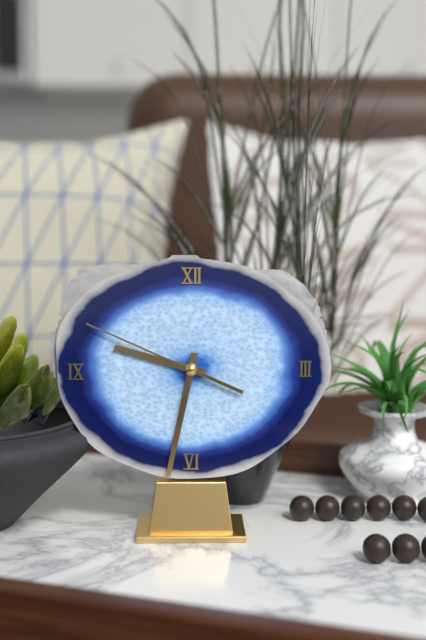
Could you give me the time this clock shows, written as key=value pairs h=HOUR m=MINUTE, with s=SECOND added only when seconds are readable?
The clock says h=9 m=32 s=49
